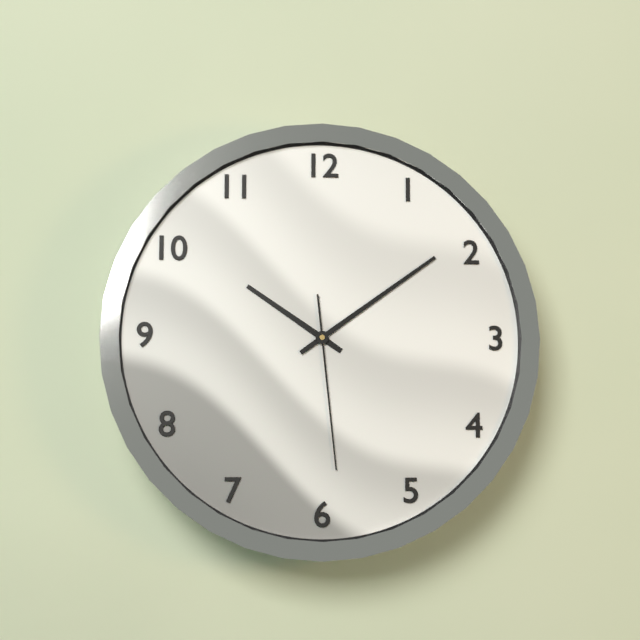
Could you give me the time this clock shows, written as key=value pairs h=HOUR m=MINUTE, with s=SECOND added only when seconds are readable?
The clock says h=10 m=9 s=29
